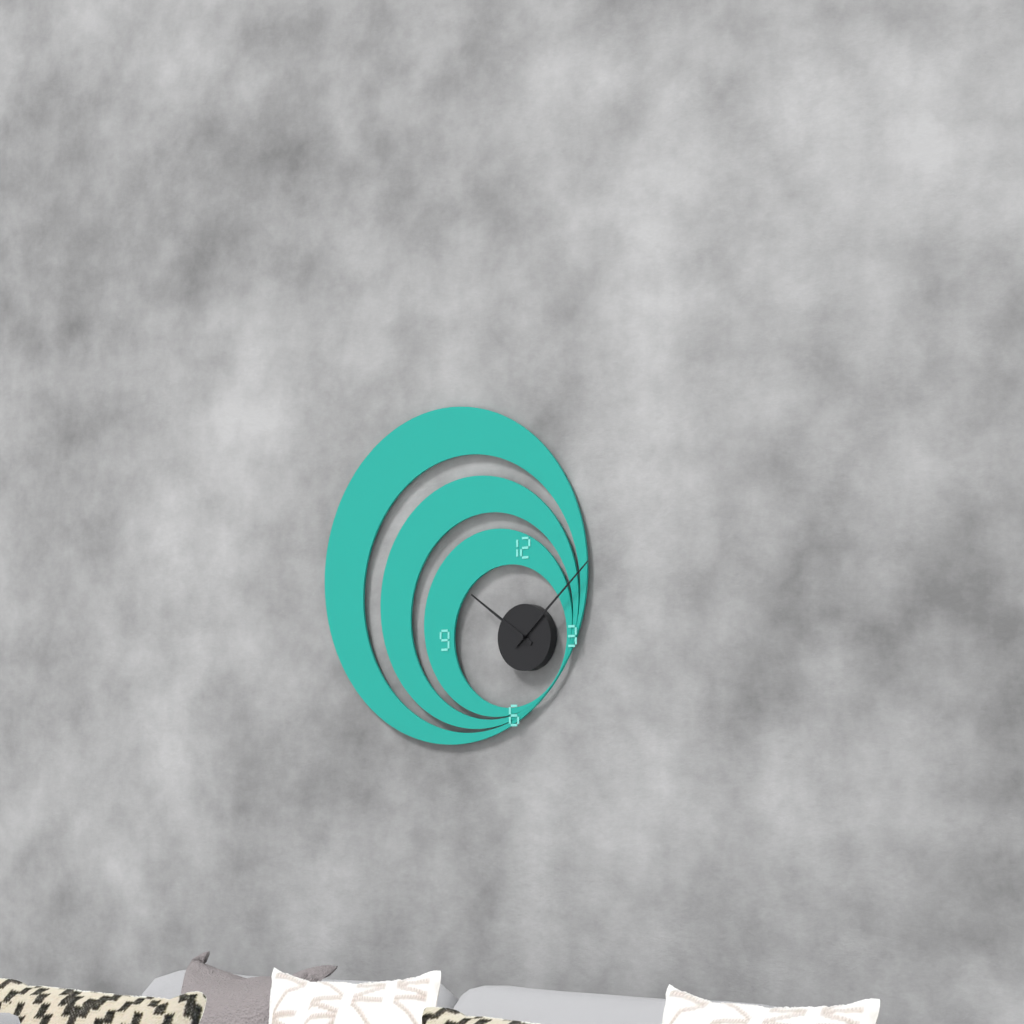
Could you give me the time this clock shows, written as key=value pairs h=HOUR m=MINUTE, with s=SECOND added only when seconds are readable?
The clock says h=10 m=8
